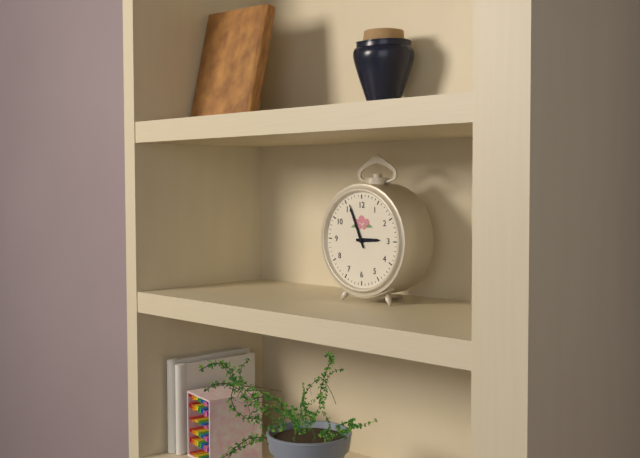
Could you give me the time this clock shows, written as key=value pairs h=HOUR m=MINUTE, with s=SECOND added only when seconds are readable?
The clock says h=2 m=56
